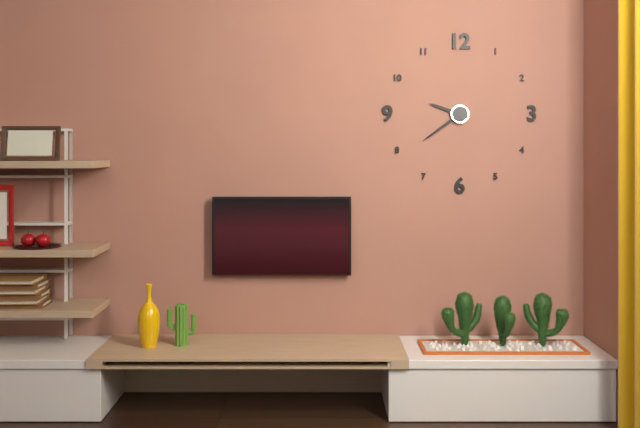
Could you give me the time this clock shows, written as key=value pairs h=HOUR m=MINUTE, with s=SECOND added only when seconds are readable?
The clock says h=9 m=39
